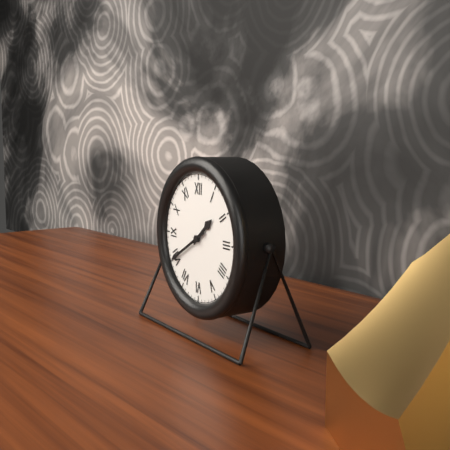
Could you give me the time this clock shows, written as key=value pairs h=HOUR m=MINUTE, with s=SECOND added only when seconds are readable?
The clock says h=1 m=40
